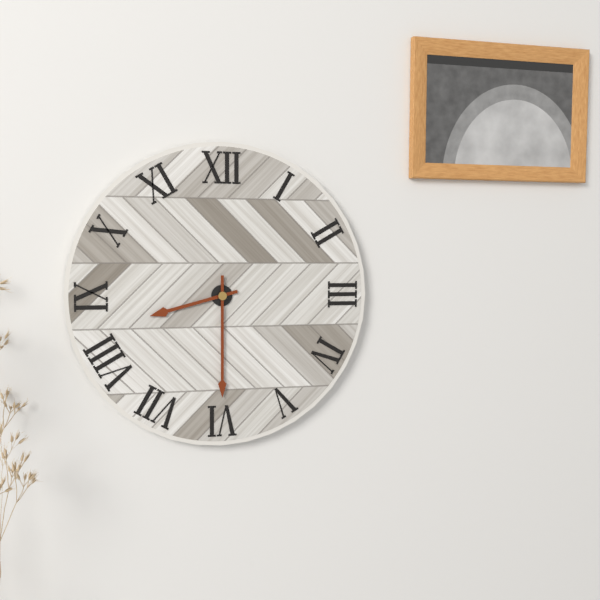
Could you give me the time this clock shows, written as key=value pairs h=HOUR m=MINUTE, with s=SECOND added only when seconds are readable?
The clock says h=8 m=30
